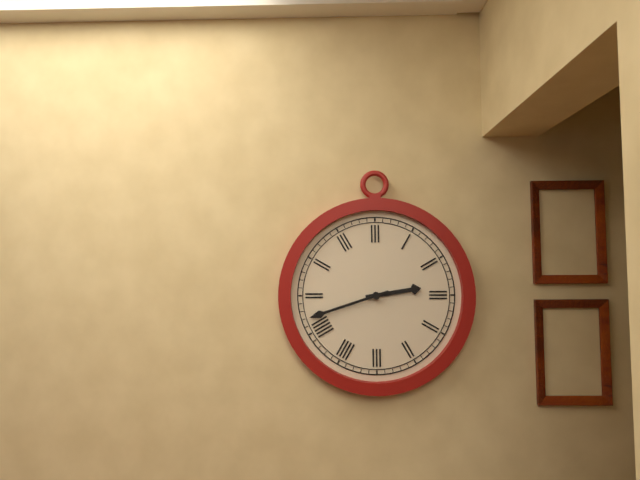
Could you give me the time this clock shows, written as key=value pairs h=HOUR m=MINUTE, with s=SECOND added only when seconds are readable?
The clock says h=2 m=42
